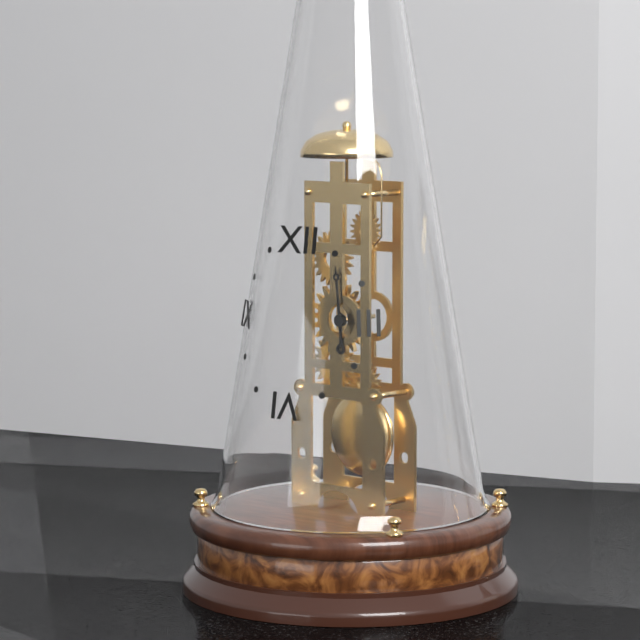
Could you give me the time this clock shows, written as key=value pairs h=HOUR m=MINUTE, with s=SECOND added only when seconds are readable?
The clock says h=5 m=59
